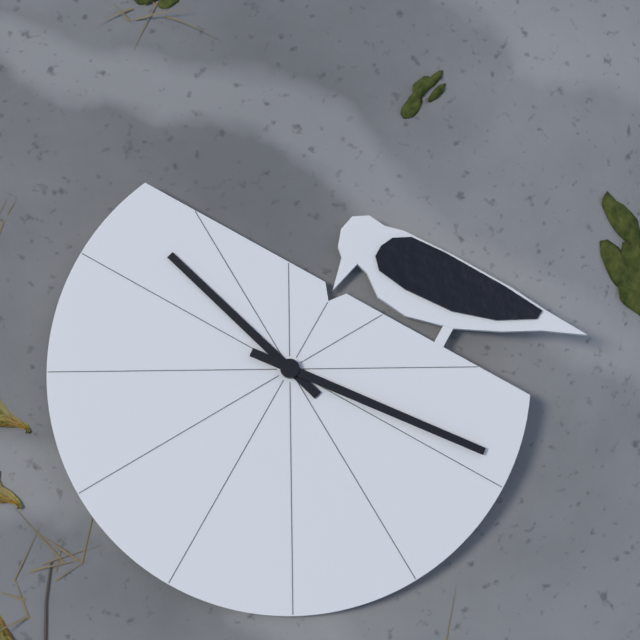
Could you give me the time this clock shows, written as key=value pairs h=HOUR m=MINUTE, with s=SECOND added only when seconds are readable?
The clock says h=12 m=29
